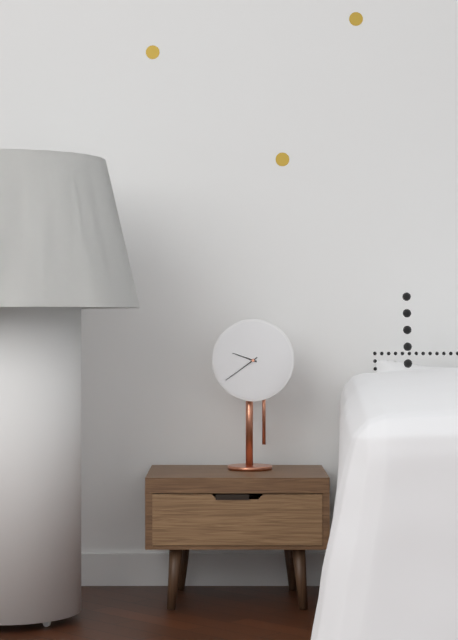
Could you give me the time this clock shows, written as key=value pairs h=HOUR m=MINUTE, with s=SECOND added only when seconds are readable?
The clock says h=9 m=39
